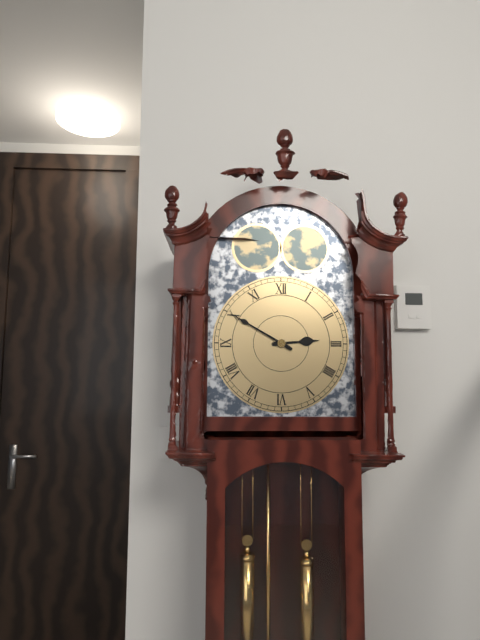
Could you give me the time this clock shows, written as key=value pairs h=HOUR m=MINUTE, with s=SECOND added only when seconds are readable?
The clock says h=2 m=50
